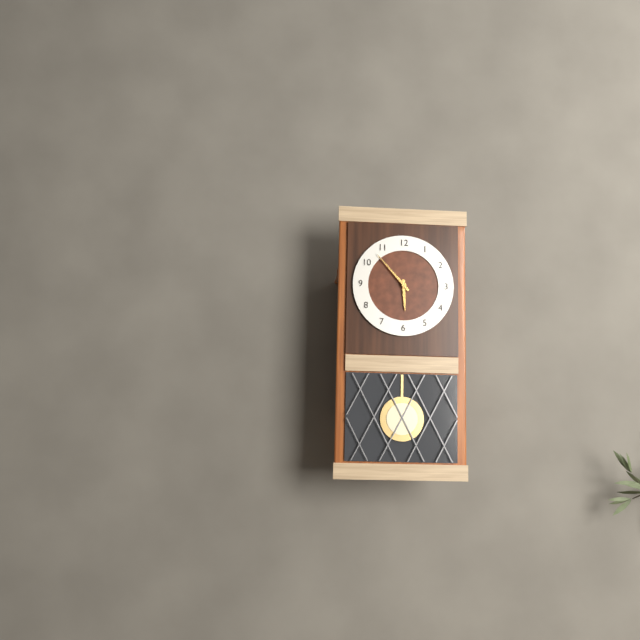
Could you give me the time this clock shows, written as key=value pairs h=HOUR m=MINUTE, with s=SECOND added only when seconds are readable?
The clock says h=5 m=53
